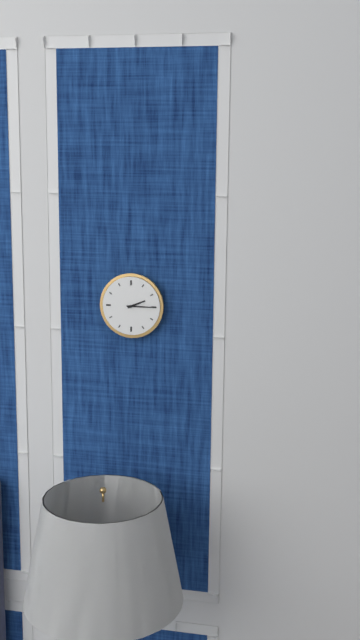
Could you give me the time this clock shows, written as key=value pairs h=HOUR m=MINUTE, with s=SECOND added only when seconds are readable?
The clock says h=2 m=15
